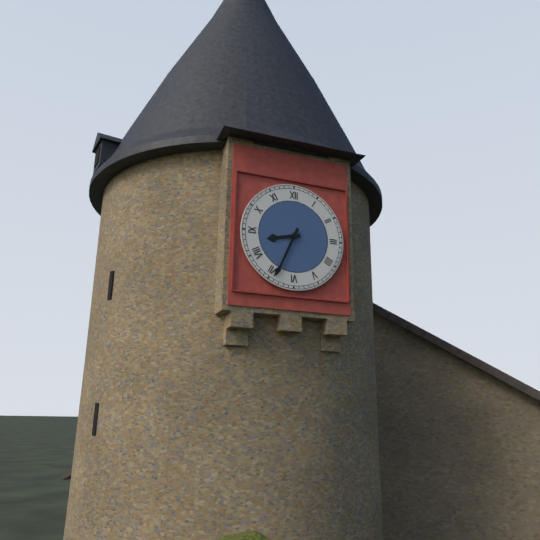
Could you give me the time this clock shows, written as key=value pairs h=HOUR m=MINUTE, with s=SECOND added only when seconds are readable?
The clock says h=8 m=34
